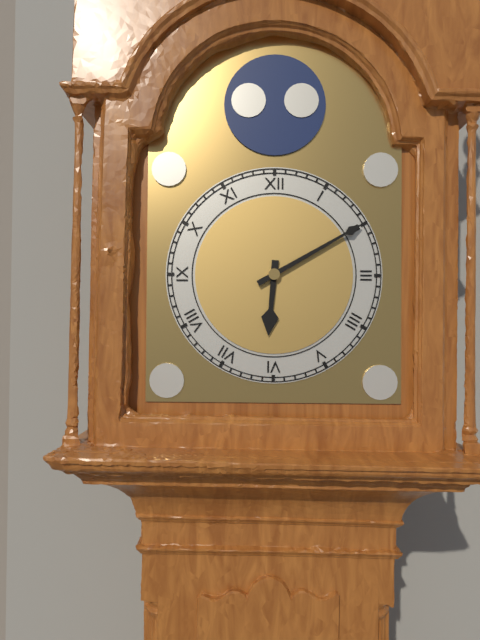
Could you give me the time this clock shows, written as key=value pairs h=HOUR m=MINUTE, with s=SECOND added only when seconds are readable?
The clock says h=6 m=10
